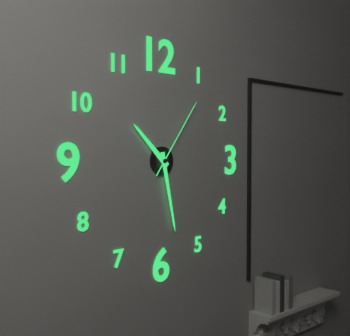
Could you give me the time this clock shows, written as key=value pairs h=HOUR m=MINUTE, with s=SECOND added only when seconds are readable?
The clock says h=10 m=28 s=6
